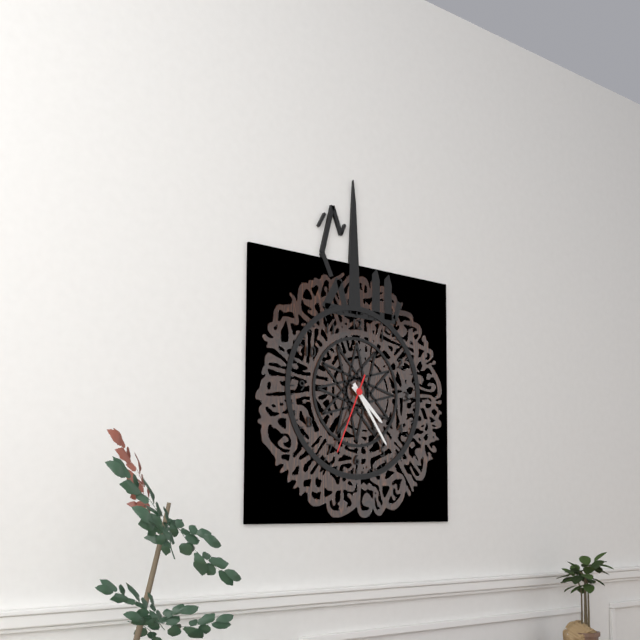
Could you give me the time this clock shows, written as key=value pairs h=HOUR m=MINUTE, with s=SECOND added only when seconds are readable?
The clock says h=4 m=24 s=34
